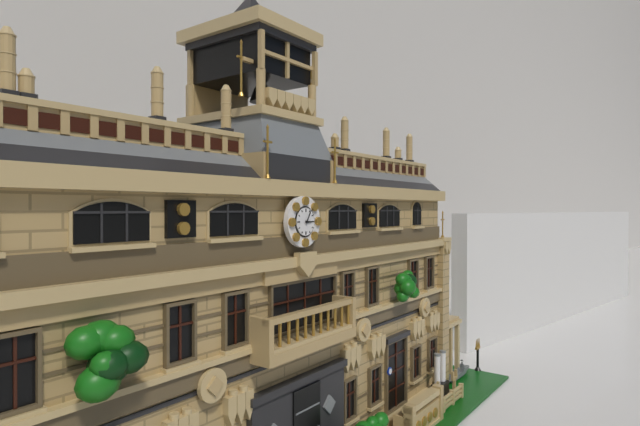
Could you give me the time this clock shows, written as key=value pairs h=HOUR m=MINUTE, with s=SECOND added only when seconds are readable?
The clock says h=3 m=5
